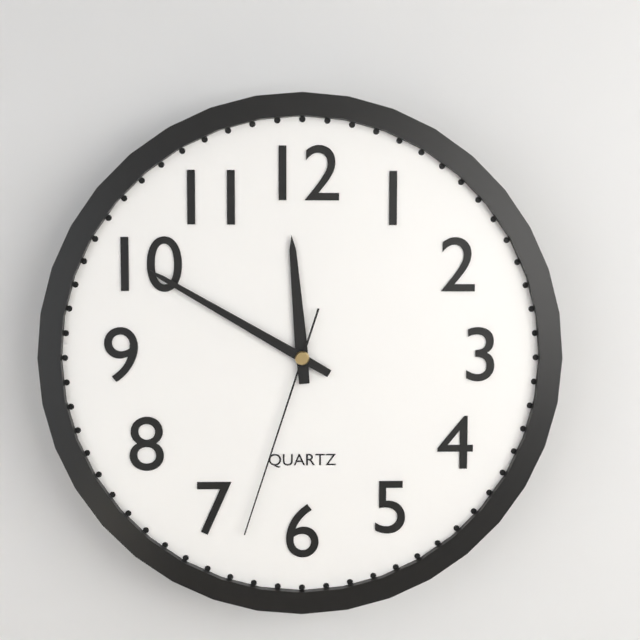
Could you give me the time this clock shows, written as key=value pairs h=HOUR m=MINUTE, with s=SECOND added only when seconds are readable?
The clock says h=11 m=50 s=33
